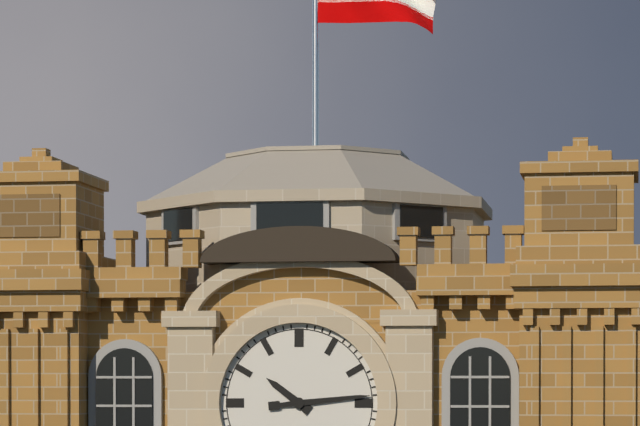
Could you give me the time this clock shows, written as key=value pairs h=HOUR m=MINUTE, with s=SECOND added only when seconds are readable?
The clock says h=10 m=14
